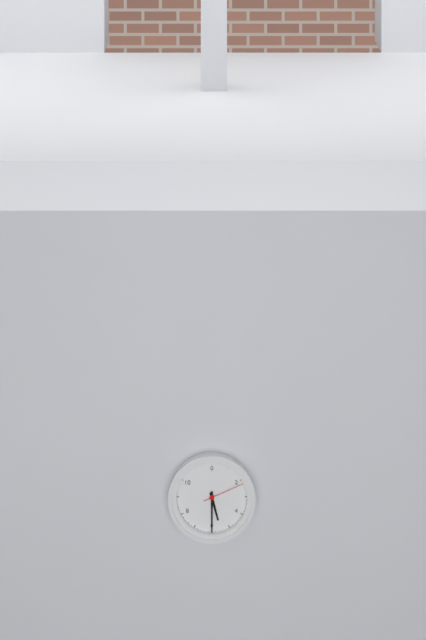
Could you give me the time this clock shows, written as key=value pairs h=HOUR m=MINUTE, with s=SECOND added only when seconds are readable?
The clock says h=5 m=30
